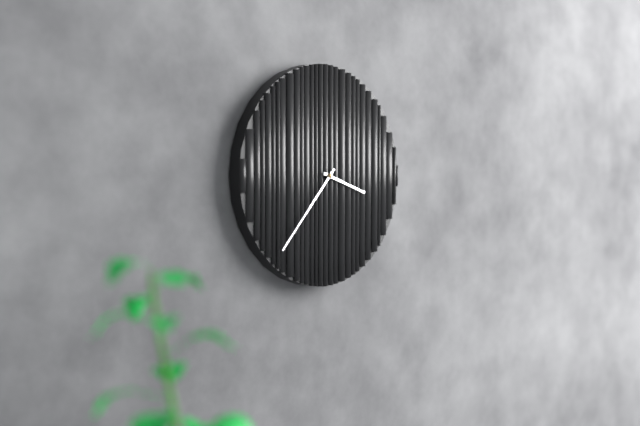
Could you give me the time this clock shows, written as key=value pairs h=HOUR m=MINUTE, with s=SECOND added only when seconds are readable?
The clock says h=3 m=37
